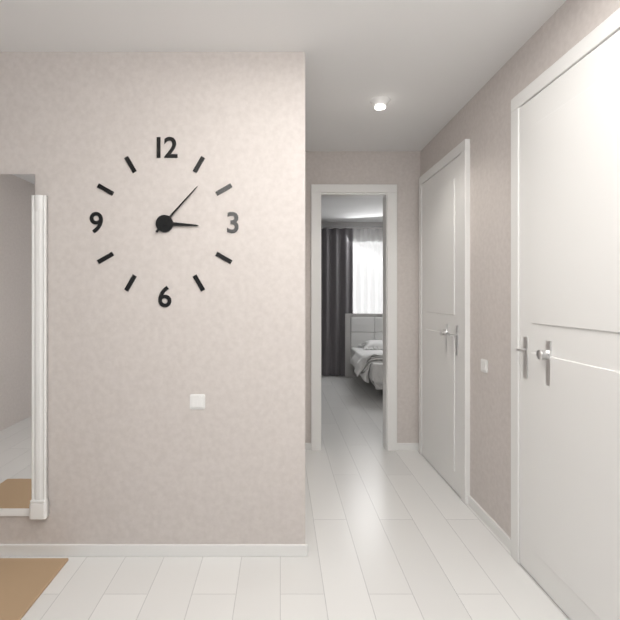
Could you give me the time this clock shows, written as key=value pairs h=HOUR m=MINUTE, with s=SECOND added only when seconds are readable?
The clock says h=3 m=7
